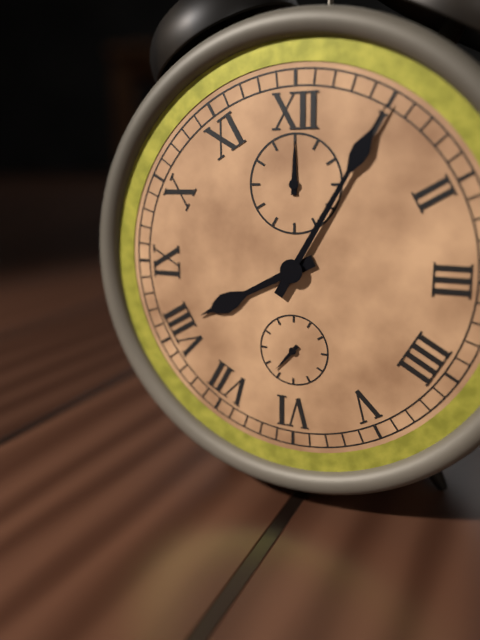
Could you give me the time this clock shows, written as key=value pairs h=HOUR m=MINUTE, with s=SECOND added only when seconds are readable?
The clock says h=8 m=5
